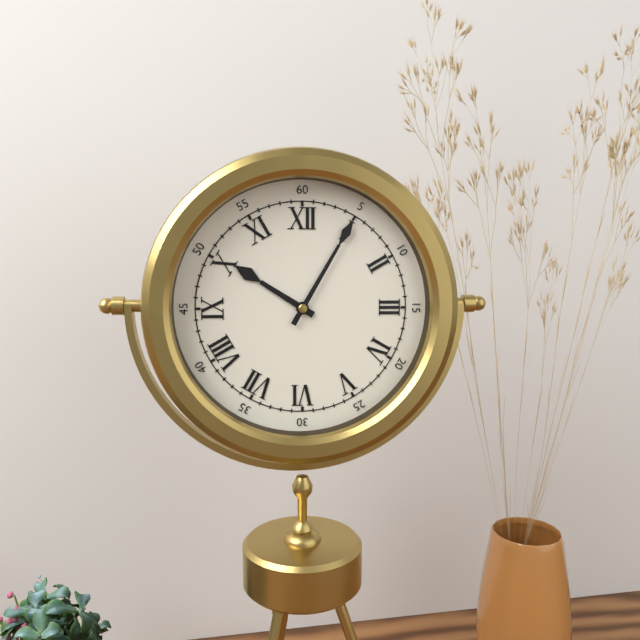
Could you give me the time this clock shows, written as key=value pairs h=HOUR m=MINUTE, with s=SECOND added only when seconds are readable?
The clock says h=10 m=5
